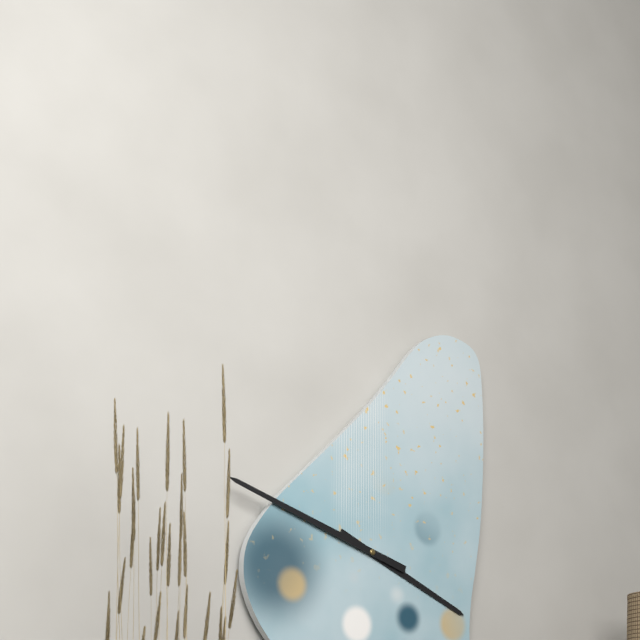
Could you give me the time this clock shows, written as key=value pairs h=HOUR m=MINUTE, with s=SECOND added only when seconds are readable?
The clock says h=3 m=48
